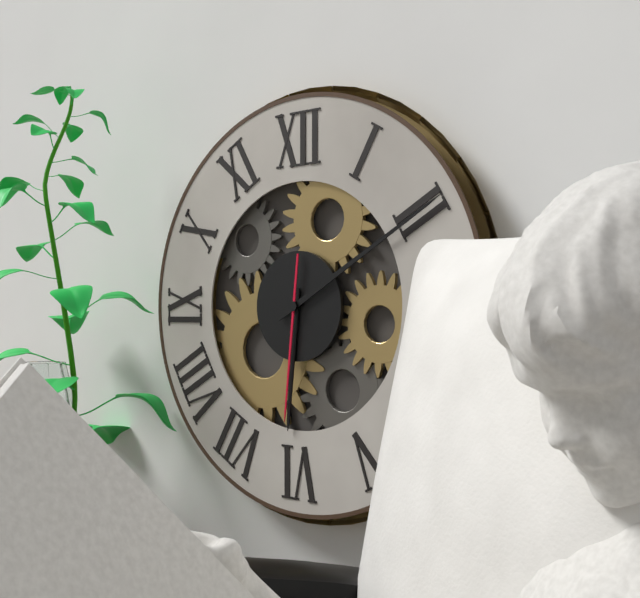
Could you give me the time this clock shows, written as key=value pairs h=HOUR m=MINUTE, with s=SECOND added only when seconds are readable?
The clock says h=6 m=10 s=31
